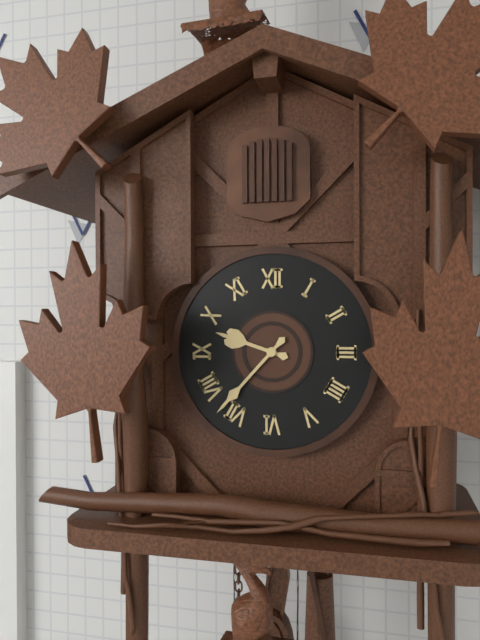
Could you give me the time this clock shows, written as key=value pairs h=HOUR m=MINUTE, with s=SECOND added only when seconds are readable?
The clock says h=9 m=37
